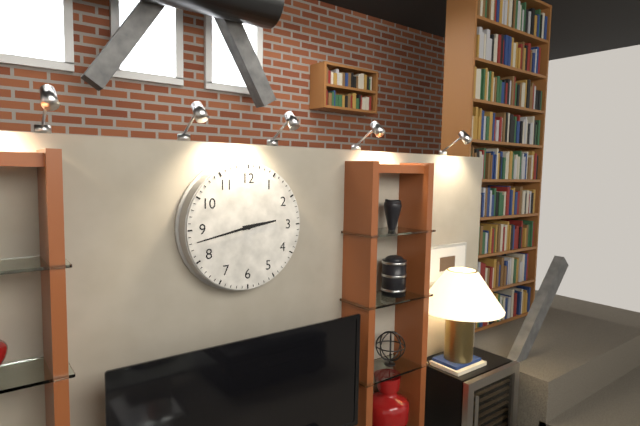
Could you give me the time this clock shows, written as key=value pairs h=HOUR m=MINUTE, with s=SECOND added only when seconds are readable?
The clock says h=2 m=43
